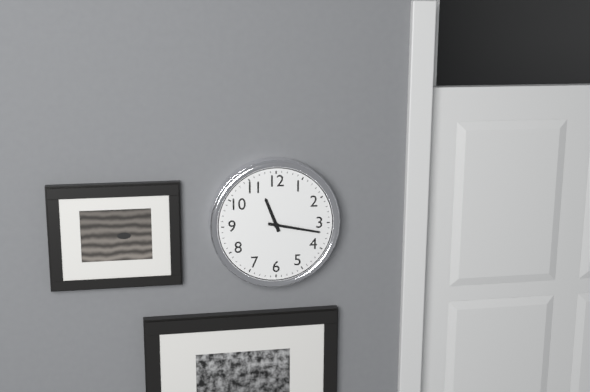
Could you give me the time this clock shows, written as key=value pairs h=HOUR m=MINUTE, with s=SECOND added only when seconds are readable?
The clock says h=11 m=17
